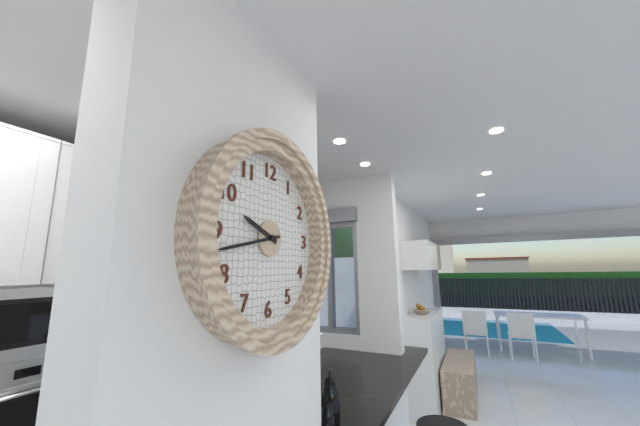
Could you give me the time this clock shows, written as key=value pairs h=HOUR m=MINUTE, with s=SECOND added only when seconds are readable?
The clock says h=9 m=43
